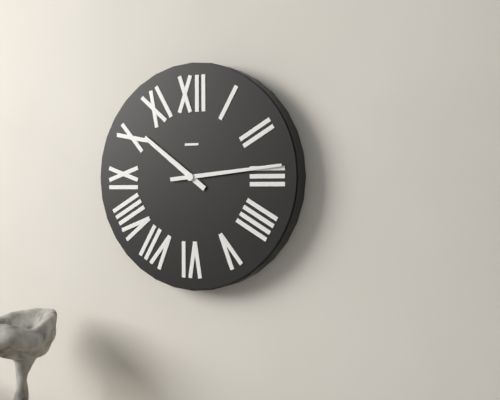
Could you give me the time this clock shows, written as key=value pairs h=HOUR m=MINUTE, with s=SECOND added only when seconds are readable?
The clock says h=10 m=14
